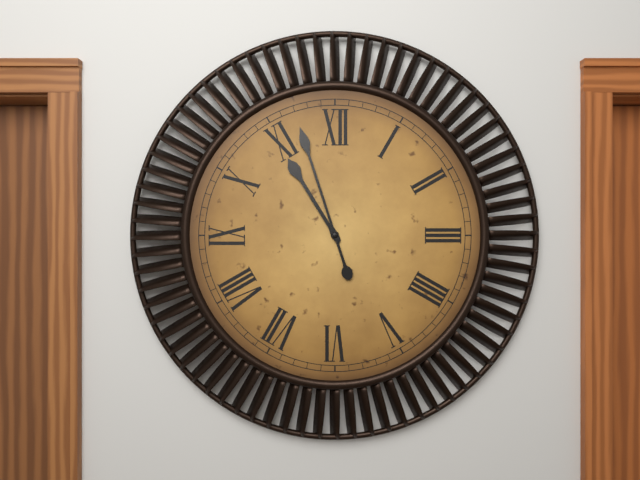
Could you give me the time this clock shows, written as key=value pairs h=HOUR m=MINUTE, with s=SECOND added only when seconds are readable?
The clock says h=10 m=57
